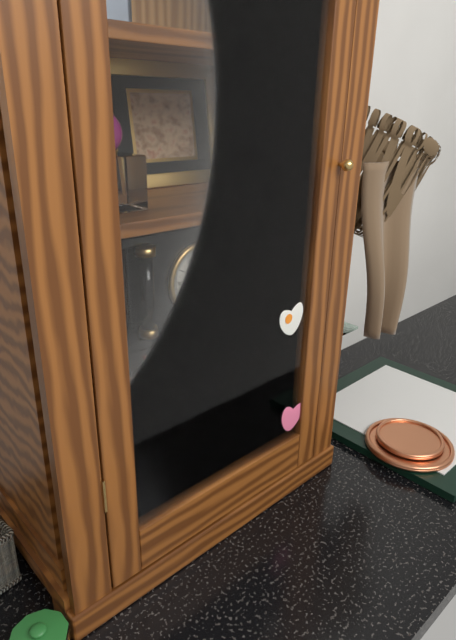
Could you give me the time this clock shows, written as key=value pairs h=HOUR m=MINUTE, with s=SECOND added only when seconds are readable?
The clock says h=11 m=22
